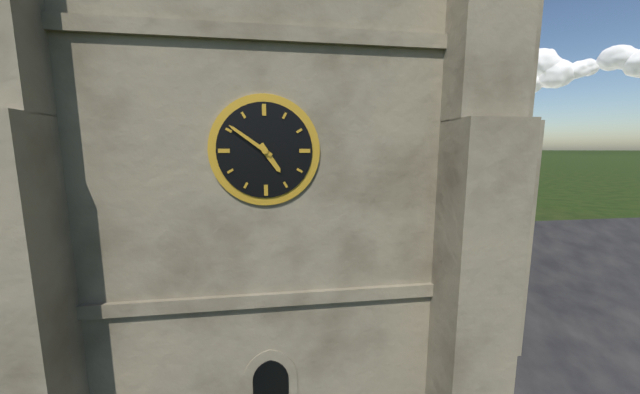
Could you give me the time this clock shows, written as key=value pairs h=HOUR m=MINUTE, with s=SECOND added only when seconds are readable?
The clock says h=4 m=51
